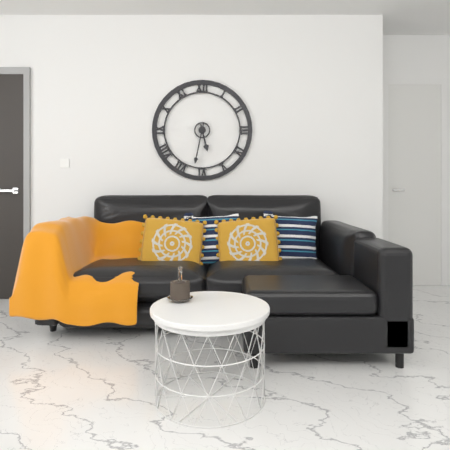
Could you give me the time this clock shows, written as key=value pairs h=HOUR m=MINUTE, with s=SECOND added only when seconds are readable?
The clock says h=5 m=32
